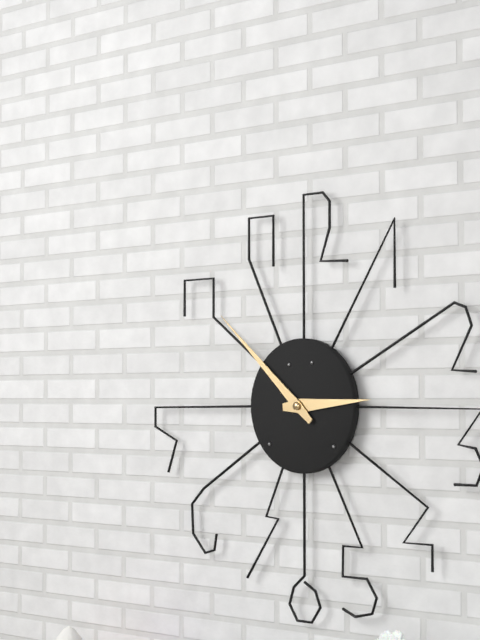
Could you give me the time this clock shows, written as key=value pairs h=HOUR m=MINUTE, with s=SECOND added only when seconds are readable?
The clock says h=2 m=52
